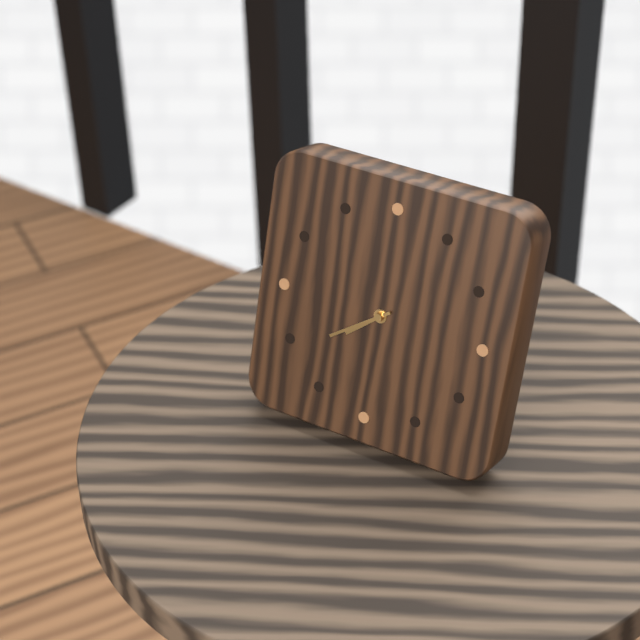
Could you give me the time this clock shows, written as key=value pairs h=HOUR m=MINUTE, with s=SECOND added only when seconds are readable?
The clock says h=7 m=39
